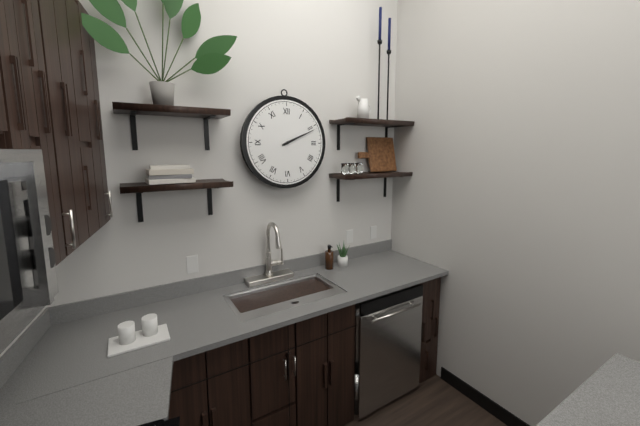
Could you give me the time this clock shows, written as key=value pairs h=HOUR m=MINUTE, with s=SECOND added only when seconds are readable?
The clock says h=2 m=11
